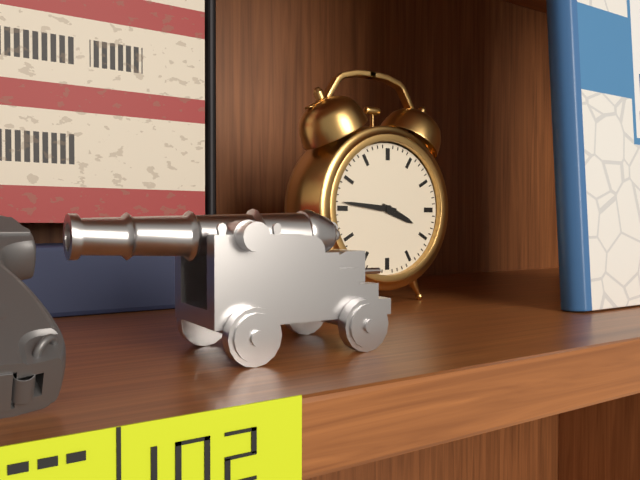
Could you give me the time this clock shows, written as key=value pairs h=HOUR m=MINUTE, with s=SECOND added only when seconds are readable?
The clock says h=3 m=46
